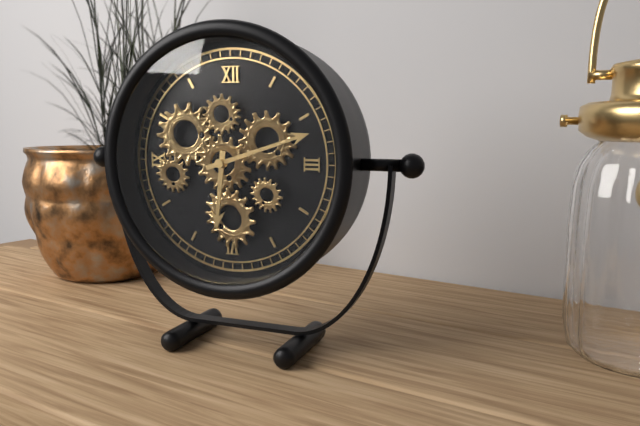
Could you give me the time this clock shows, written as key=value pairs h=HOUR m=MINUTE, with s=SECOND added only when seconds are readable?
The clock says h=6 m=12
